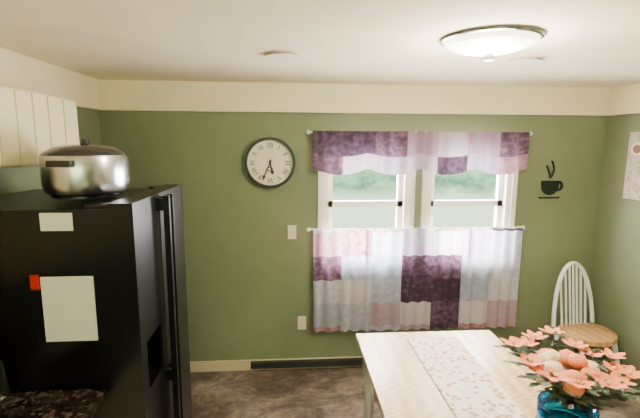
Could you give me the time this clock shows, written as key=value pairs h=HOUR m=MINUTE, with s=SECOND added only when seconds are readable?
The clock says h=5 m=34
